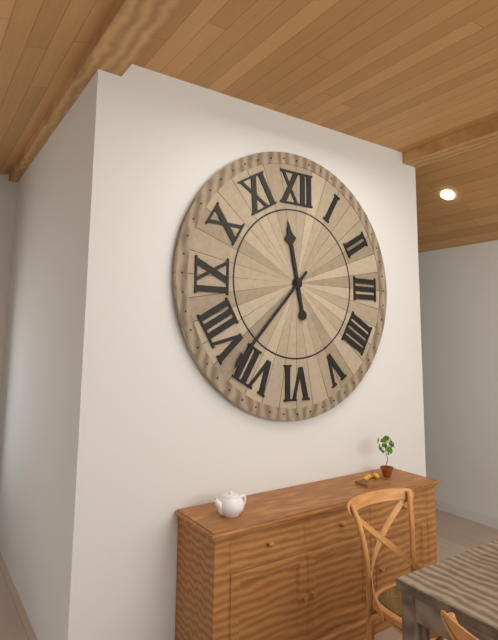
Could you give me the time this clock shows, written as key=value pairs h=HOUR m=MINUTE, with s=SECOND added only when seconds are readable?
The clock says h=11 m=37
